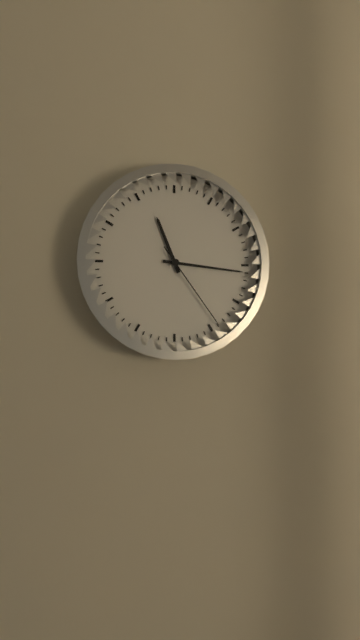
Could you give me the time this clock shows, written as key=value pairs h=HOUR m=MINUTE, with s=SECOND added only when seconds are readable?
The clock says h=11 m=16 s=24
